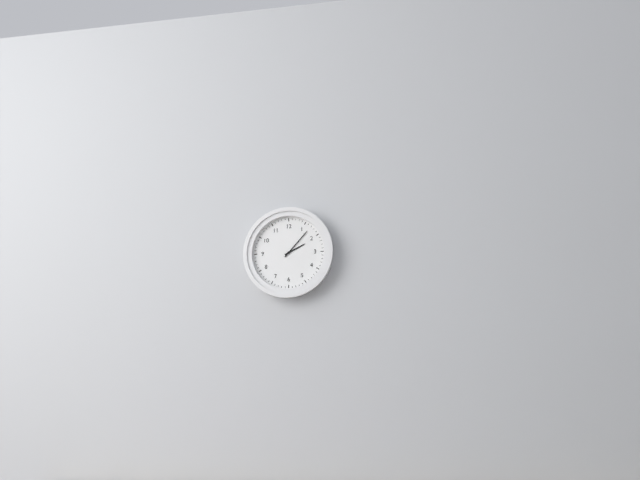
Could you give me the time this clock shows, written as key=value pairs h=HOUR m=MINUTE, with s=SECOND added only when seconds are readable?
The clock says h=2 m=7
